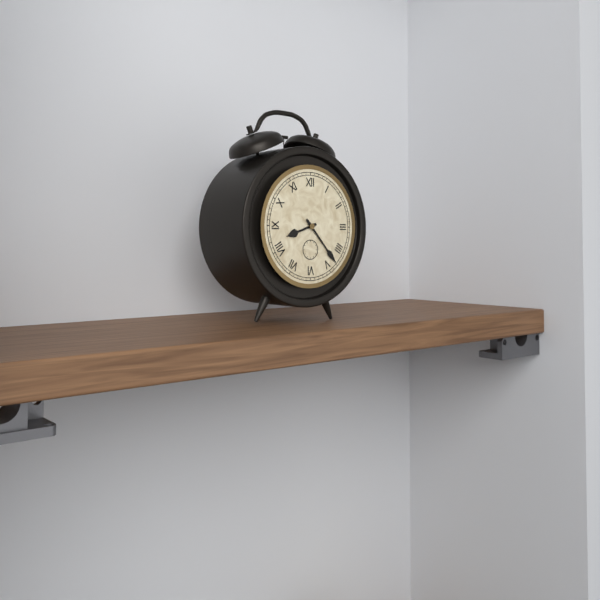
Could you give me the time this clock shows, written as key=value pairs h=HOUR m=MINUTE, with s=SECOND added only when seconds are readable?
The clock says h=8 m=23
